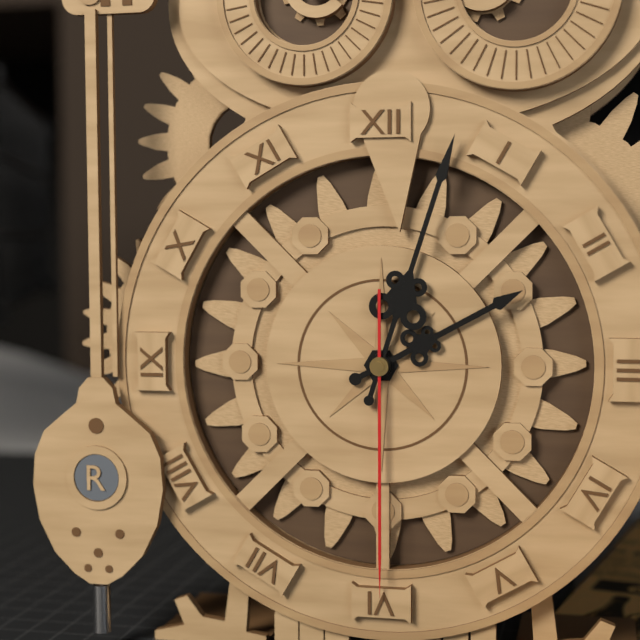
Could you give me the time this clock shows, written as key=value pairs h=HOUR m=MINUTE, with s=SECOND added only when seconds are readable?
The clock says h=2 m=3 s=30
